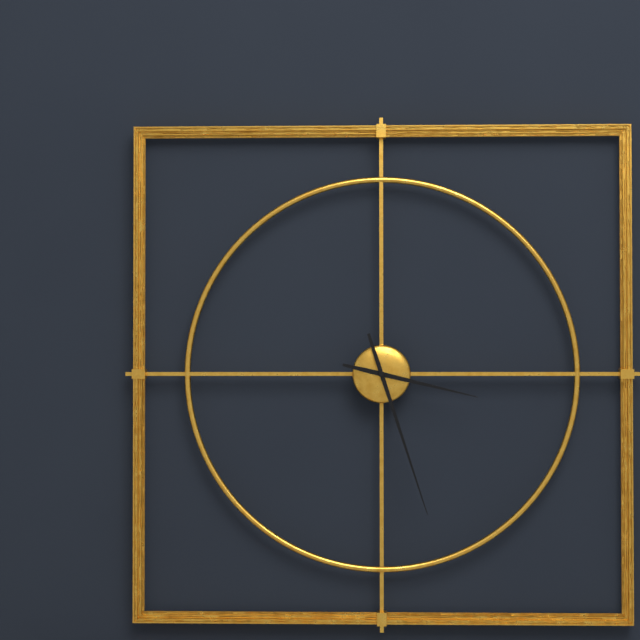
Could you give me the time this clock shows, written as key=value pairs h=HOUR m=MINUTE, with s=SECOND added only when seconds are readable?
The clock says h=3 m=27
